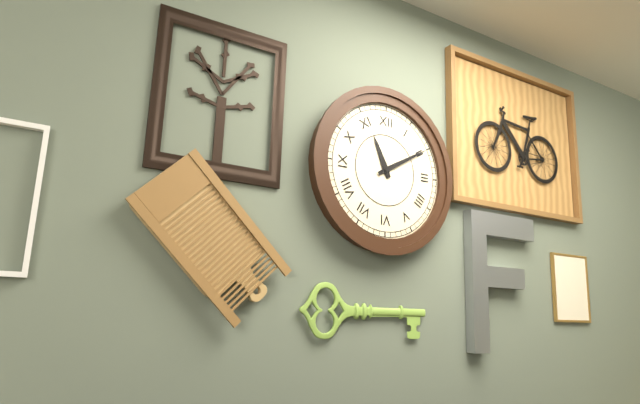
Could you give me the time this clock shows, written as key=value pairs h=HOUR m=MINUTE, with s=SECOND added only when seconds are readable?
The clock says h=11 m=10
